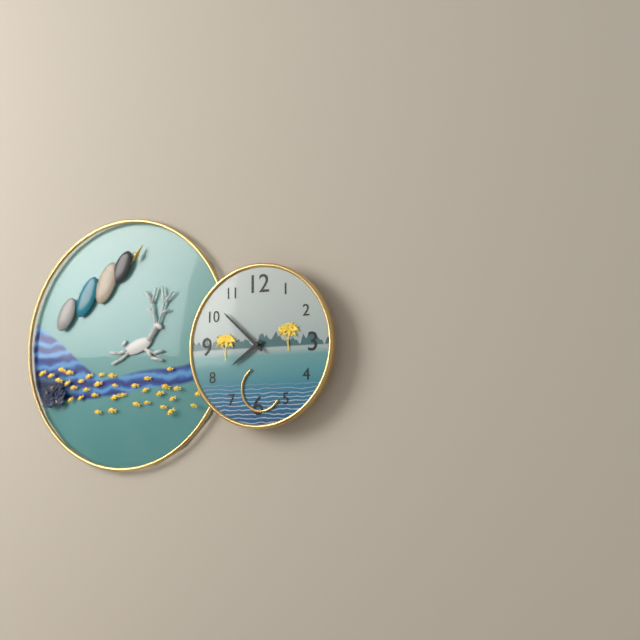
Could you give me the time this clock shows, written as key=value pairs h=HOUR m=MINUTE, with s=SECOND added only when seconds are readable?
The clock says h=7 m=52
